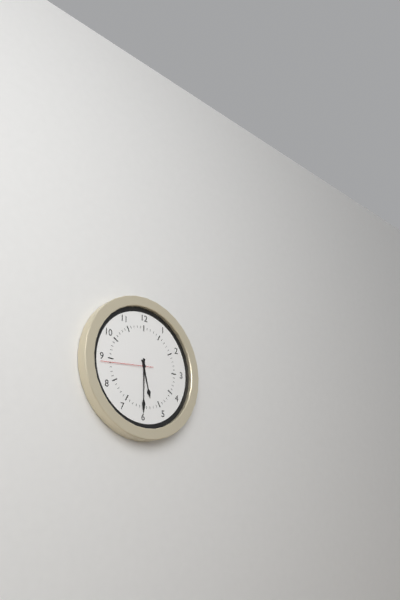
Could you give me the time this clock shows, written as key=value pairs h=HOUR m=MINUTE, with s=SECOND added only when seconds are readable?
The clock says h=5 m=30 s=44
